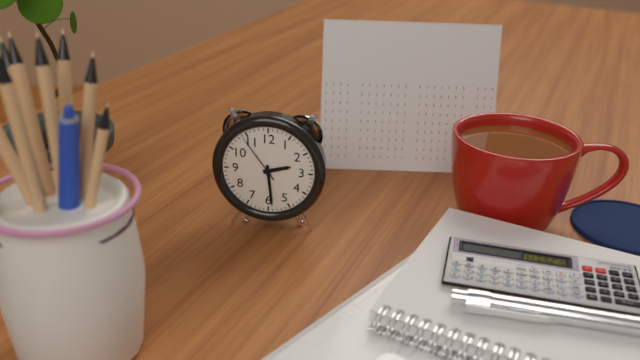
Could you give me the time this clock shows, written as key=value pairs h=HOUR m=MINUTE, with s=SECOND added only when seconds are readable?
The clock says h=2 m=29 s=54
